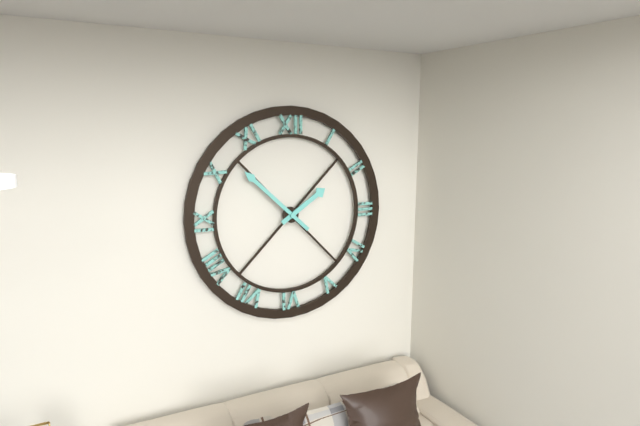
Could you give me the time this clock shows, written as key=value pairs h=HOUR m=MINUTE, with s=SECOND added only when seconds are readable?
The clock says h=1 m=52
